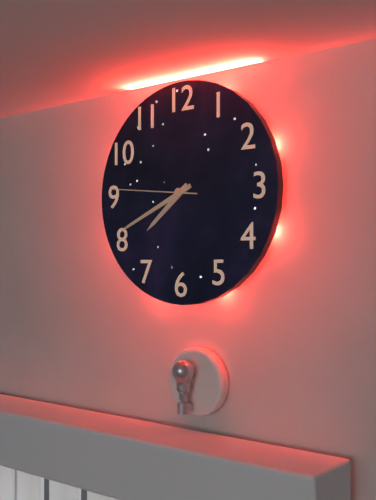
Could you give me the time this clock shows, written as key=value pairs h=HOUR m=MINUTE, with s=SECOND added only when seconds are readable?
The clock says h=7 m=41 s=46
